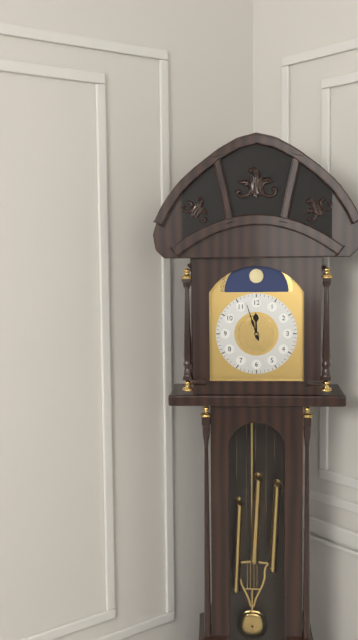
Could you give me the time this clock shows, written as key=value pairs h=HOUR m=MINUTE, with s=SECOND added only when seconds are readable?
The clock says h=11 m=57
